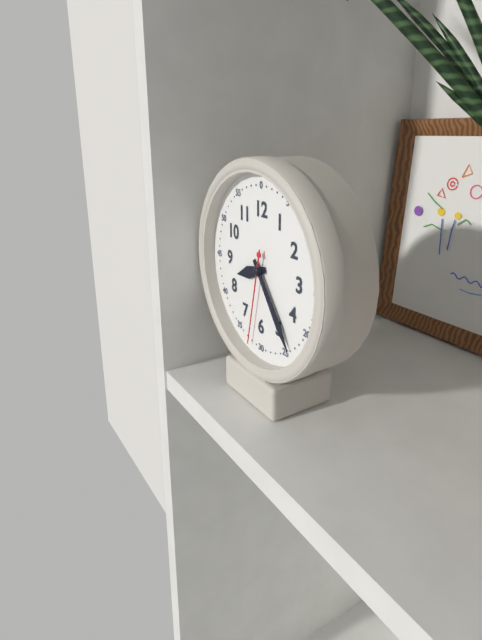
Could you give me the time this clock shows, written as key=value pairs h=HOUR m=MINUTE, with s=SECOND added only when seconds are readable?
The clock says h=8 m=24 s=32
